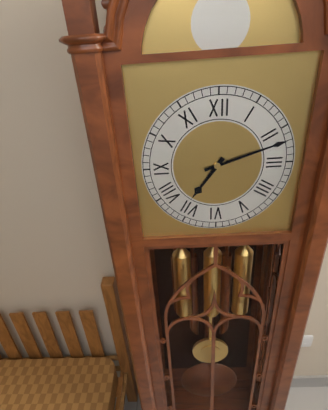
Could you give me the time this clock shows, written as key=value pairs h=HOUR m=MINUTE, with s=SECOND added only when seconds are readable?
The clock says h=7 m=12
